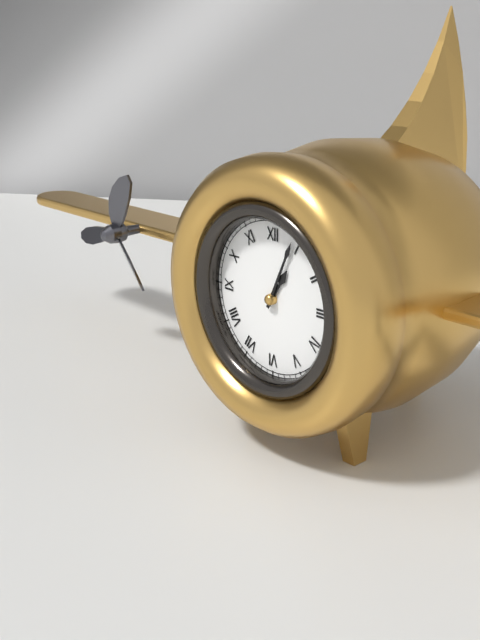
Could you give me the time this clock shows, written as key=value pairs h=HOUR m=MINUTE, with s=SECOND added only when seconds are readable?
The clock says h=1 m=4
